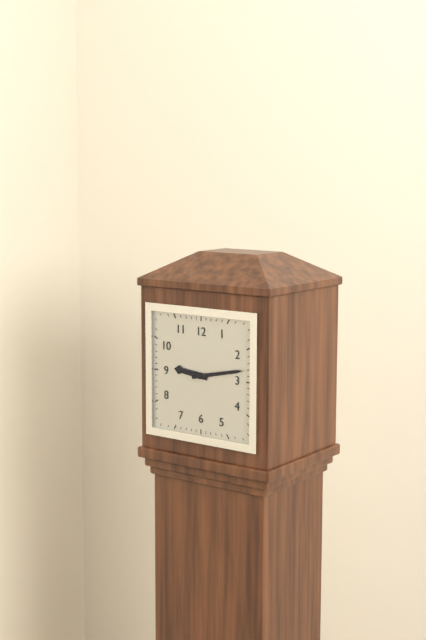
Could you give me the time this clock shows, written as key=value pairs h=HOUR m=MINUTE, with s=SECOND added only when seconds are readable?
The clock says h=9 m=13
